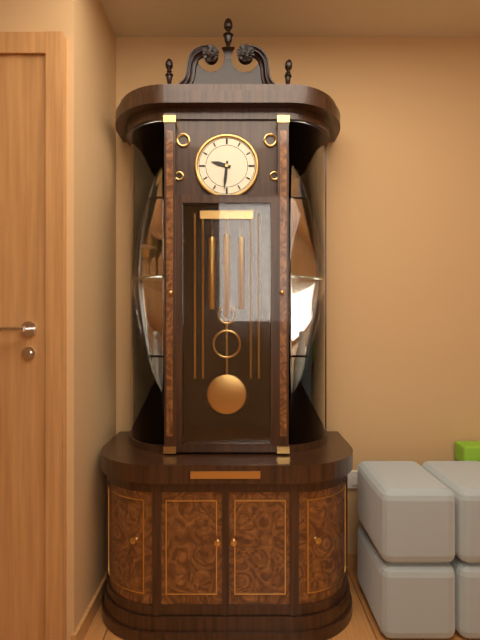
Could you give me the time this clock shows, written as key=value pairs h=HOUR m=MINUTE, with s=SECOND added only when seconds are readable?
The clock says h=9 m=31
